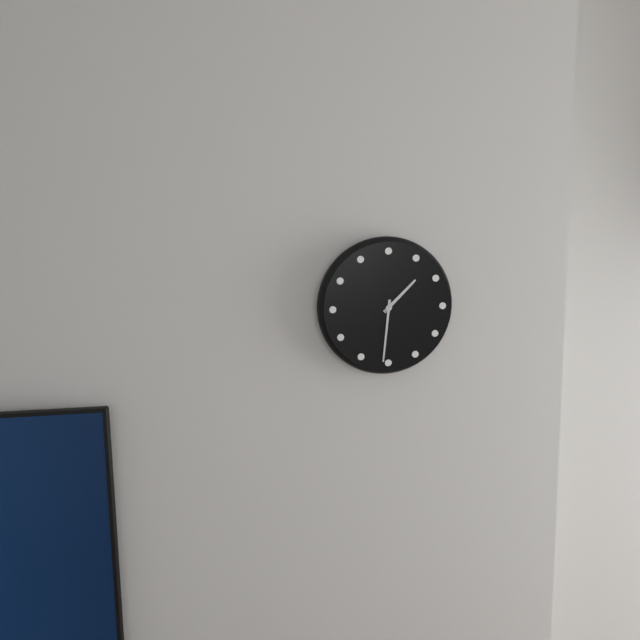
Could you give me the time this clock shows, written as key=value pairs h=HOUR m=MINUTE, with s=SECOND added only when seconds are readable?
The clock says h=1 m=31
